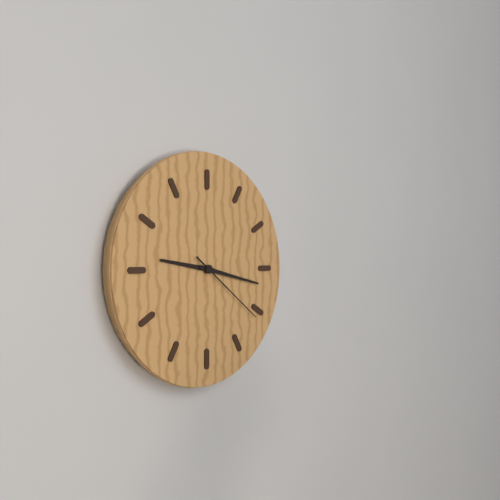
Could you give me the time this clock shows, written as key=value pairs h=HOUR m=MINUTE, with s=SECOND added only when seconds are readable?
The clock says h=9 m=17 s=21
